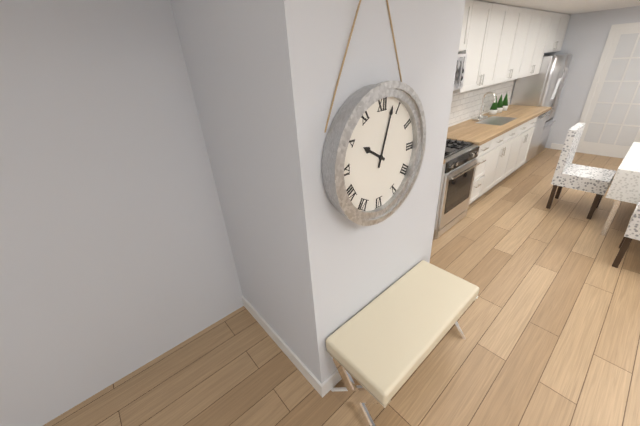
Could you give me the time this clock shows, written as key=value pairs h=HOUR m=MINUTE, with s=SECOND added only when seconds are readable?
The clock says h=10 m=3
